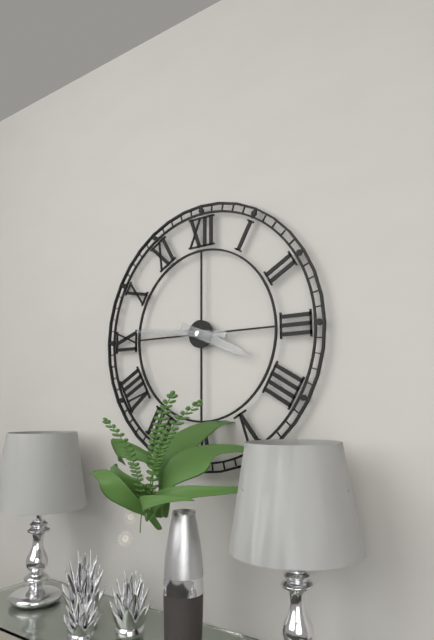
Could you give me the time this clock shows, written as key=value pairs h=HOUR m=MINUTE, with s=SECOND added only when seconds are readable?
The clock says h=3 m=46
